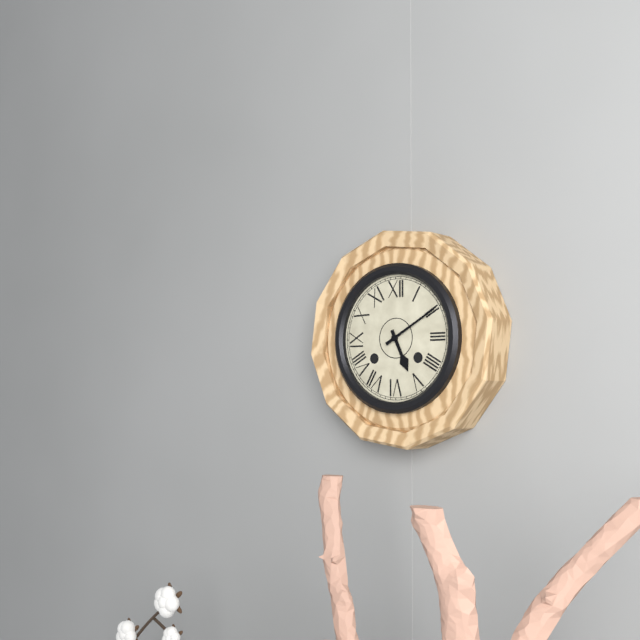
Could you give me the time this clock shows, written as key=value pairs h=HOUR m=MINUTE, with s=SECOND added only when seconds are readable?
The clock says h=5 m=10
